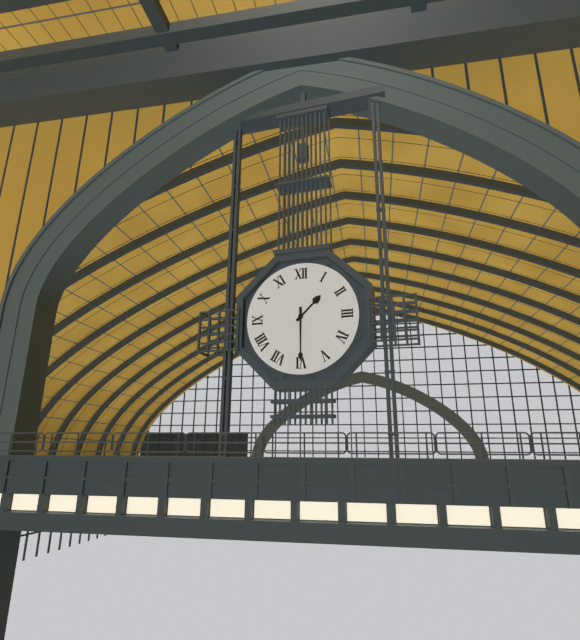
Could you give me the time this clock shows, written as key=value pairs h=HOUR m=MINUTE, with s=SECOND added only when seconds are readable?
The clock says h=1 m=30
